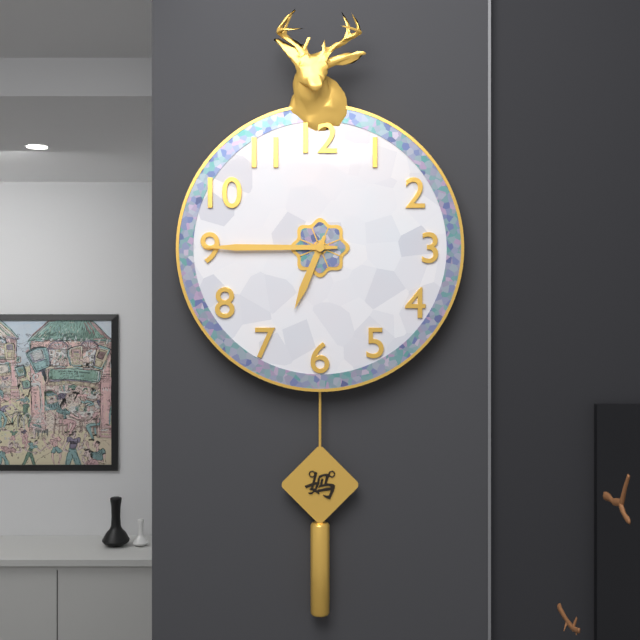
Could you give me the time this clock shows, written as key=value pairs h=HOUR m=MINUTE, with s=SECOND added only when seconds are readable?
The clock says h=6 m=45
